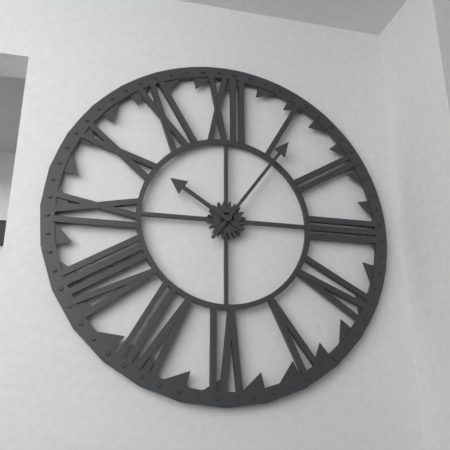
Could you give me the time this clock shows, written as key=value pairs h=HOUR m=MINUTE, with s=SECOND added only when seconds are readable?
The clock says h=10 m=6
